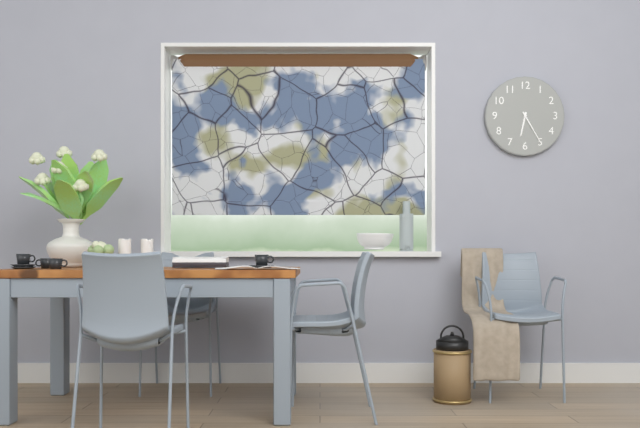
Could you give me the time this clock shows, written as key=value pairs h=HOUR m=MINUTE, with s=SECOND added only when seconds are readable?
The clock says h=6 m=25
